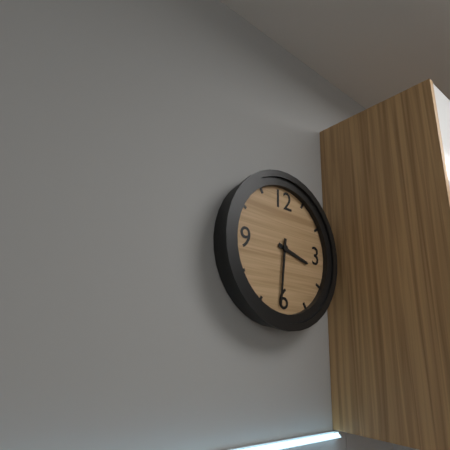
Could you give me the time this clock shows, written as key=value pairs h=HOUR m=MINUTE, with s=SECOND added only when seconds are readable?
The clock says h=3 m=31
